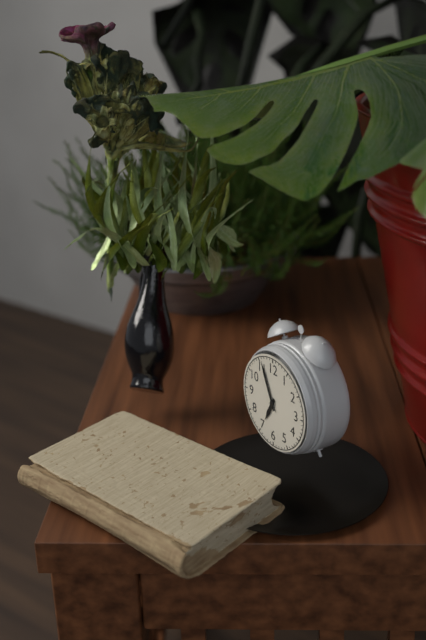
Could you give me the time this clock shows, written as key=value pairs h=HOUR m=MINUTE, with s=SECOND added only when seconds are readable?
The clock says h=6 m=56
